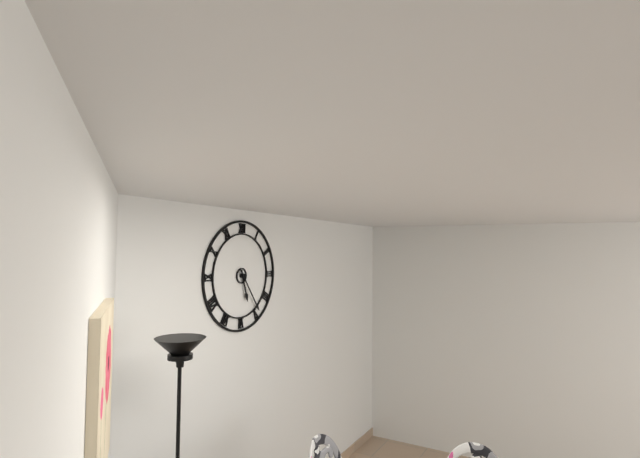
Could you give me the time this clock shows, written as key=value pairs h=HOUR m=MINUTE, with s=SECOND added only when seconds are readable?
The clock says h=5 m=24
